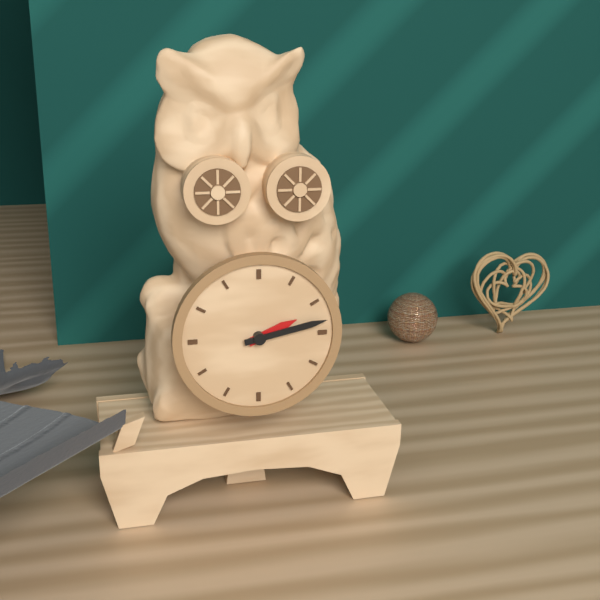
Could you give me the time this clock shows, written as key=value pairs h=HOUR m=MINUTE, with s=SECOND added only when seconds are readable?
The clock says h=2 m=13
